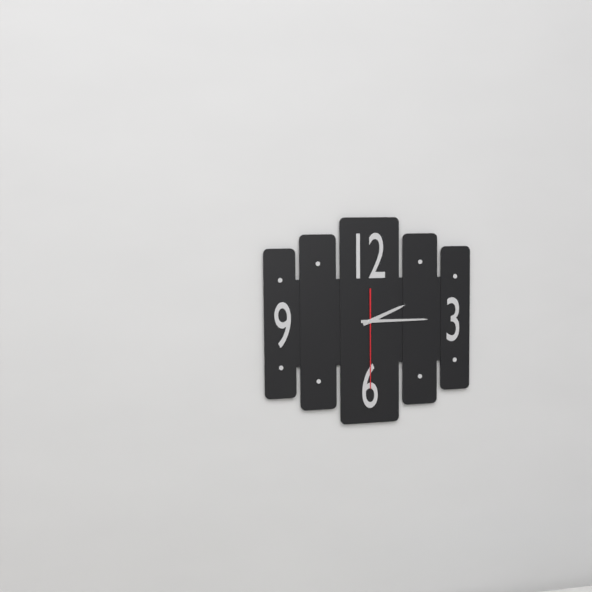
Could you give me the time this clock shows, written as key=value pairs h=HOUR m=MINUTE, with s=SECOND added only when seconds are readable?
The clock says h=2 m=15 s=30
